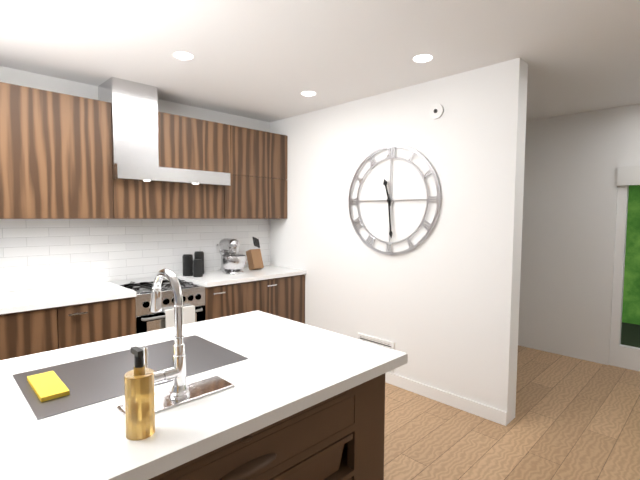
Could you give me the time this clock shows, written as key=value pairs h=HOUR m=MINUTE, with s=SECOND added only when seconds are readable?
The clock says h=11 m=29
